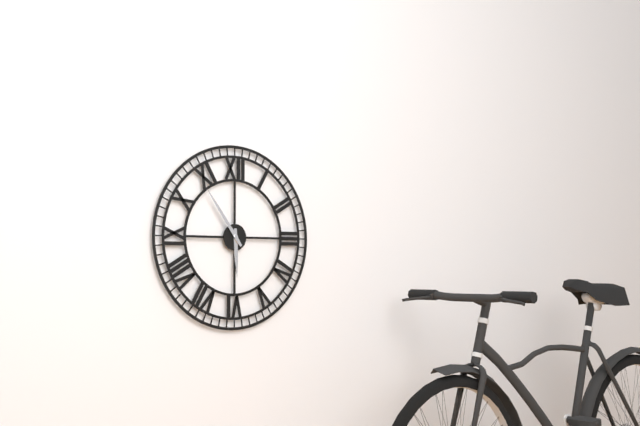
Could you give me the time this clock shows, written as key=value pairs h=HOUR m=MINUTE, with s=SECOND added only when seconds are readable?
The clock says h=5 m=54
